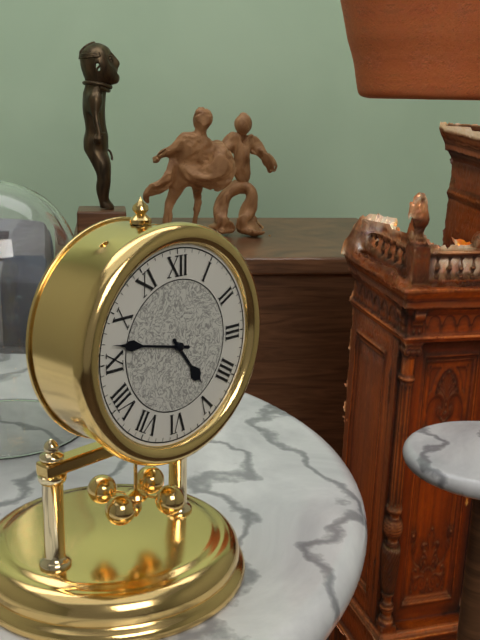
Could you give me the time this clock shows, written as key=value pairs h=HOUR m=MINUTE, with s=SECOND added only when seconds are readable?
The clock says h=4 m=47
